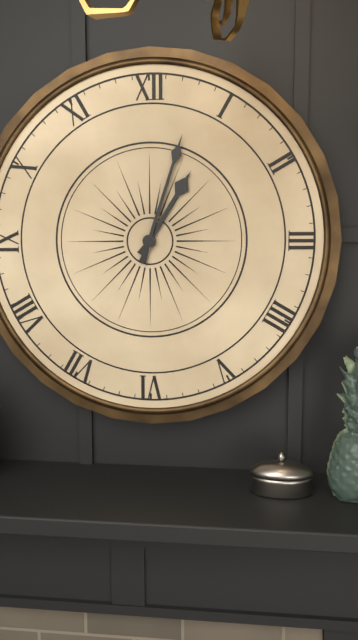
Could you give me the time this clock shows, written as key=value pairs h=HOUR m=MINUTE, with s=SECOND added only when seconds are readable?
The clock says h=1 m=3
